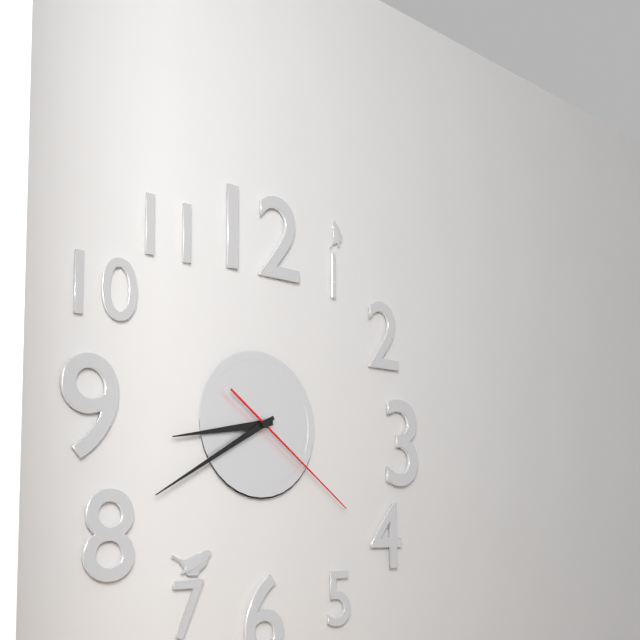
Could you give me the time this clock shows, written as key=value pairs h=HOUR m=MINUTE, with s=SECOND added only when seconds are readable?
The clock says h=8 m=40 s=21
